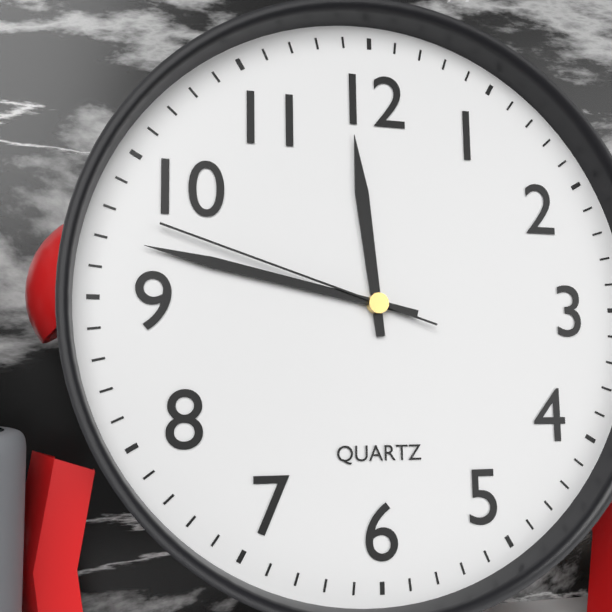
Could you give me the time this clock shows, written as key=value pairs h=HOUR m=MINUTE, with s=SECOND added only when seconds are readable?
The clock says h=11 m=47 s=48
